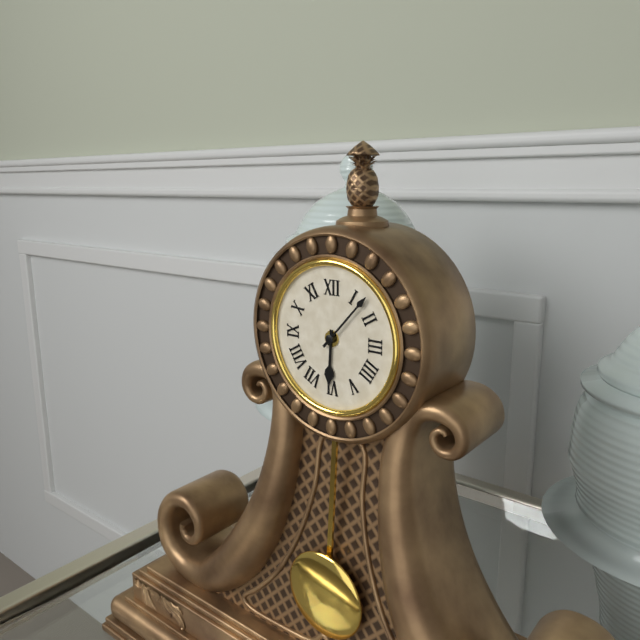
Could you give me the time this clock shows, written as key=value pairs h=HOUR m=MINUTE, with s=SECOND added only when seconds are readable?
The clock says h=6 m=7
